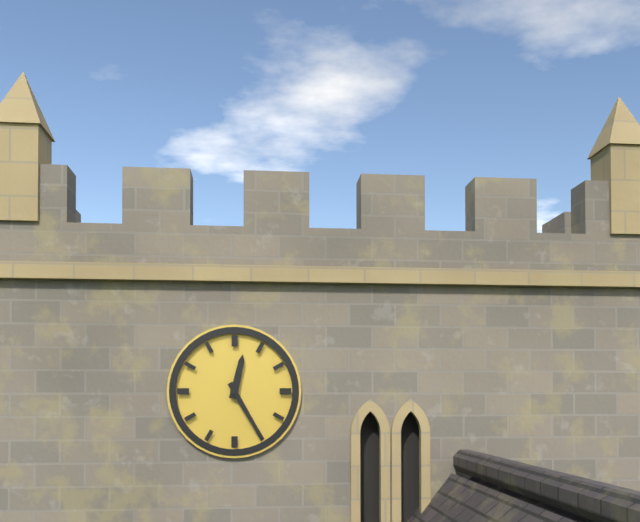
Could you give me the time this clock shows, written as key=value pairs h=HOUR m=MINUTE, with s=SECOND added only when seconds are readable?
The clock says h=12 m=25
